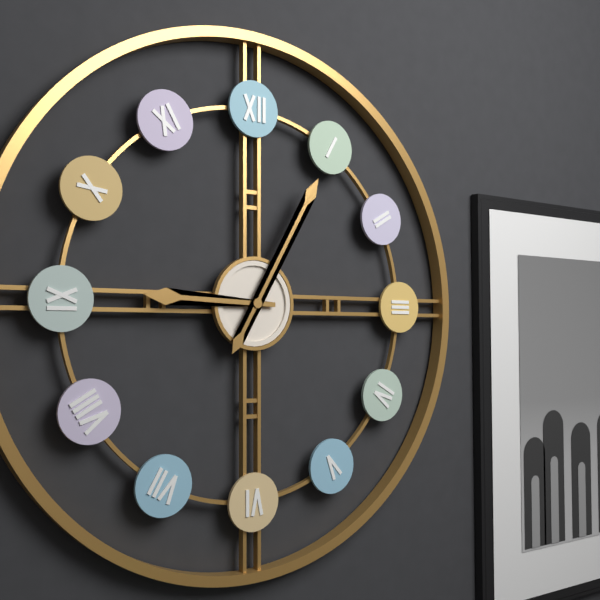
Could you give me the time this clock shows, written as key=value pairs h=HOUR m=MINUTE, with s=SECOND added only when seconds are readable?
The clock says h=9 m=5
